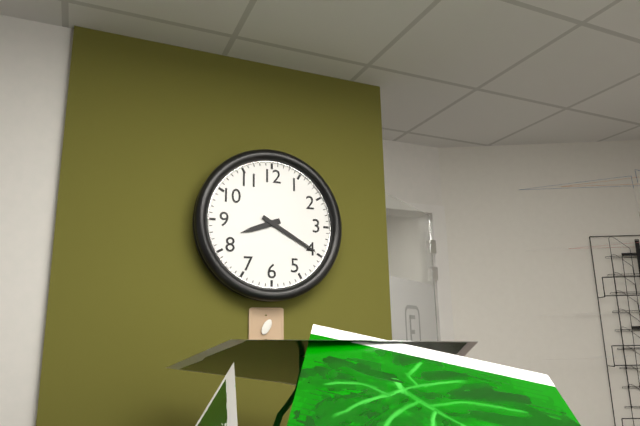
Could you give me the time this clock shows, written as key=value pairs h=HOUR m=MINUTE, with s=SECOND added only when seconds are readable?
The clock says h=8 m=20
